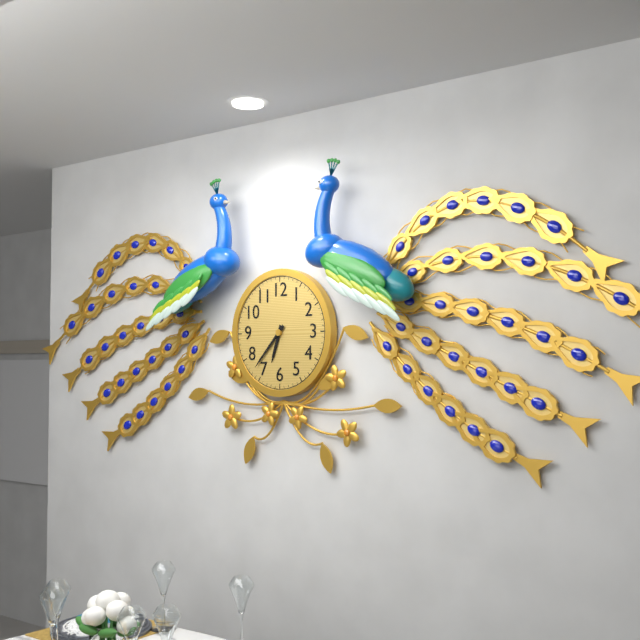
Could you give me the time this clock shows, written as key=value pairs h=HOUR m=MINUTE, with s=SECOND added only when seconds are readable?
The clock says h=6 m=37
